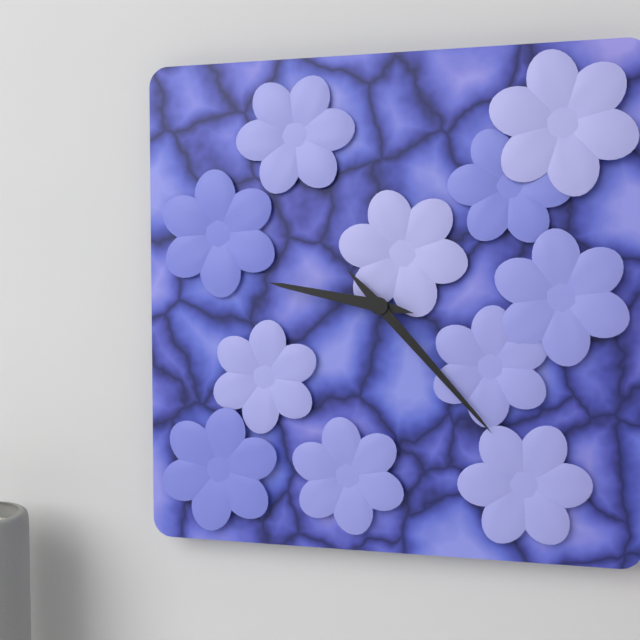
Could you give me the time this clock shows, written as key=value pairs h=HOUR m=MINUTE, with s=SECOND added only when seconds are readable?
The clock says h=9 m=23
